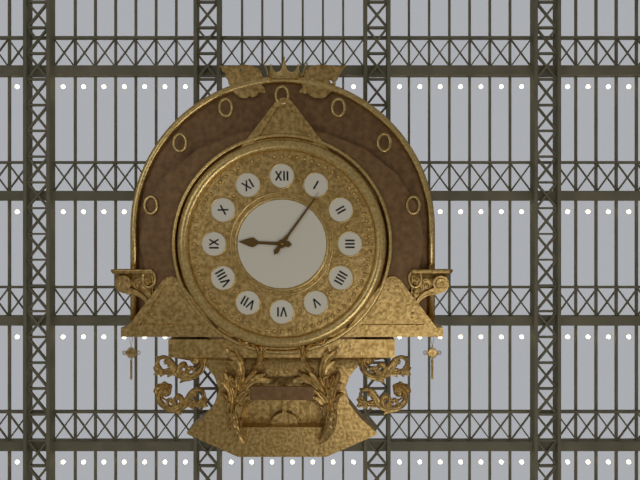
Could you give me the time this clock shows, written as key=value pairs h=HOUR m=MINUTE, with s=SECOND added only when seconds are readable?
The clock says h=9 m=6
